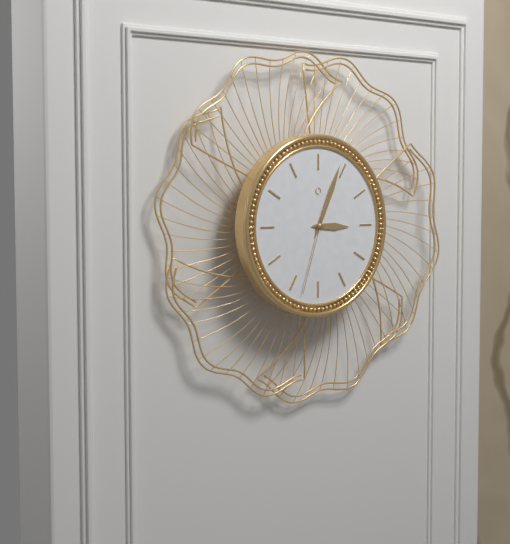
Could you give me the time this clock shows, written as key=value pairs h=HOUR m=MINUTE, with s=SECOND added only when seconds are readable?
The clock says h=3 m=4 s=33
